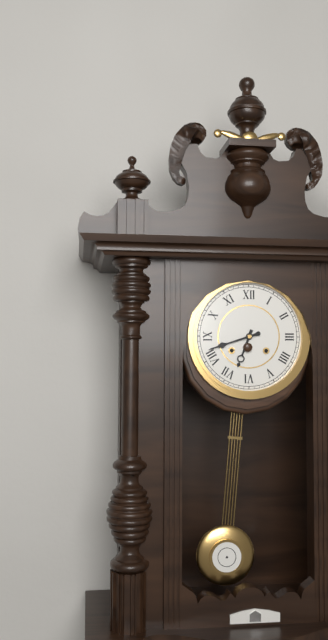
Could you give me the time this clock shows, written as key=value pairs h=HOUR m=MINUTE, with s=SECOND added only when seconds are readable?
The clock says h=6 m=42
